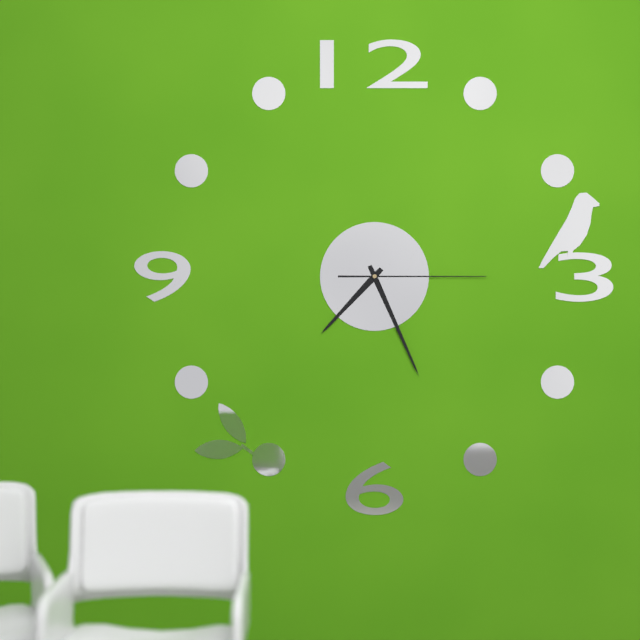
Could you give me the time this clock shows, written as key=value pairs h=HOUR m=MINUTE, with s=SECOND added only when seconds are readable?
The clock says h=7 m=26 s=15
